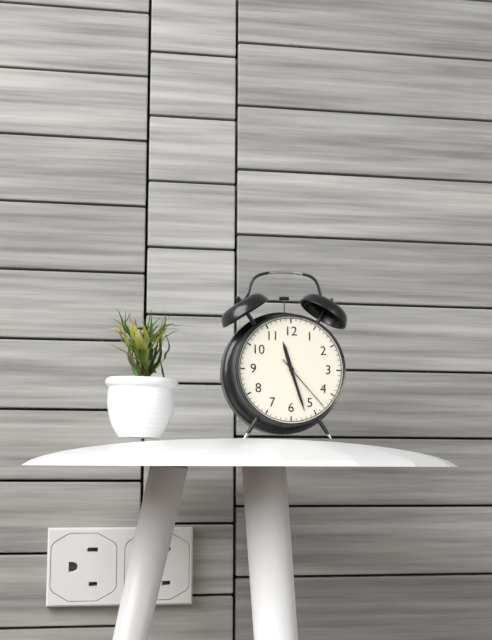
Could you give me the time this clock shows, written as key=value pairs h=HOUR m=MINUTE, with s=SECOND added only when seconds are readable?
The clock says h=11 m=27 s=23
